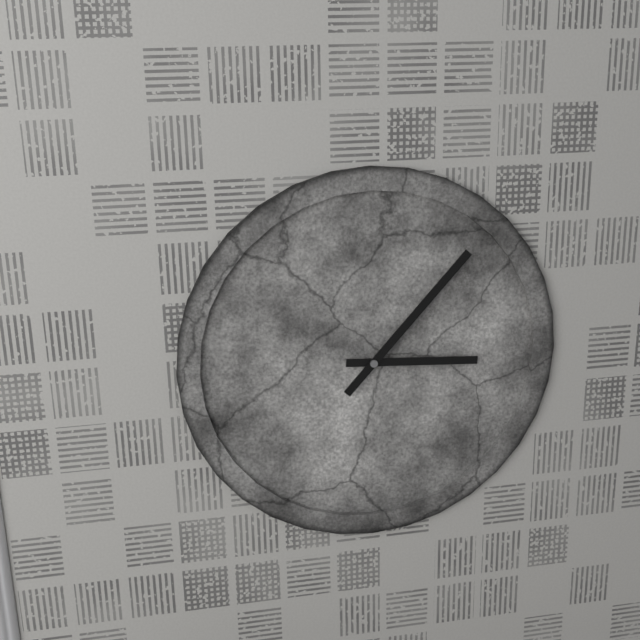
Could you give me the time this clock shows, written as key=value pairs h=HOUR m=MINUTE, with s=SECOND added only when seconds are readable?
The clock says h=3 m=7
